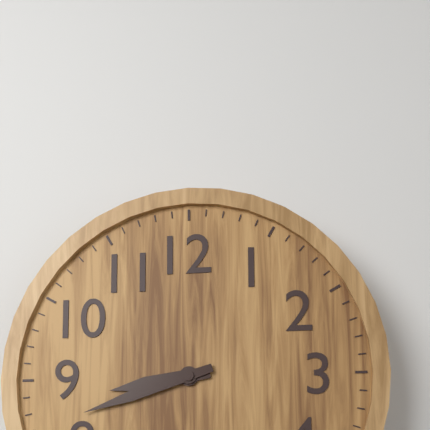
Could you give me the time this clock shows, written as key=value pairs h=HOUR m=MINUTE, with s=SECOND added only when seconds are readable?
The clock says h=8 m=42
